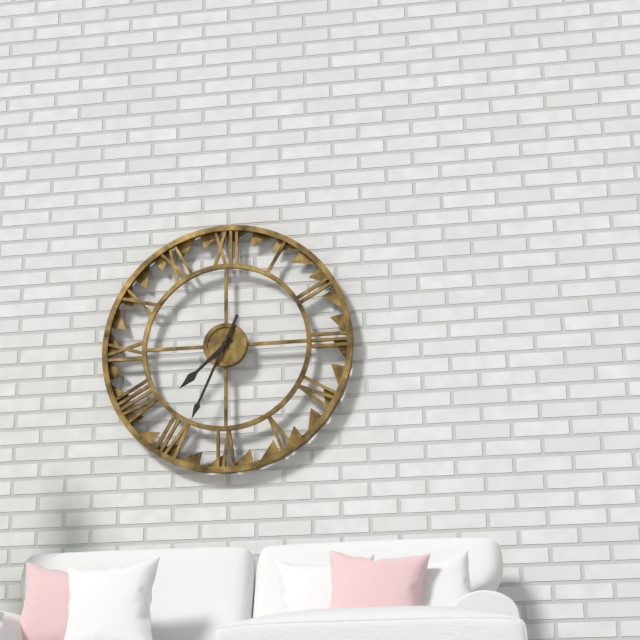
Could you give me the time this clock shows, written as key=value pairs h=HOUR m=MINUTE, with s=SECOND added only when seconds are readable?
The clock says h=7 m=34
